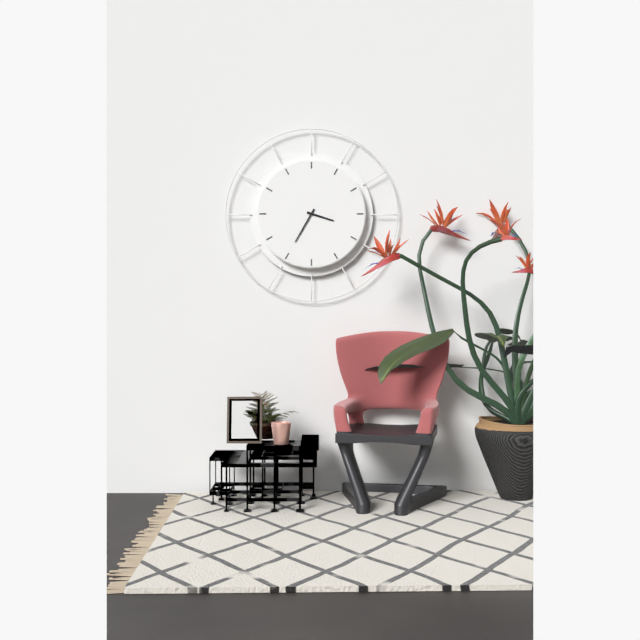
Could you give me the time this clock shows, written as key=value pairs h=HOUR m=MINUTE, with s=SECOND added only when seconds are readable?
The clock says h=3 m=35
